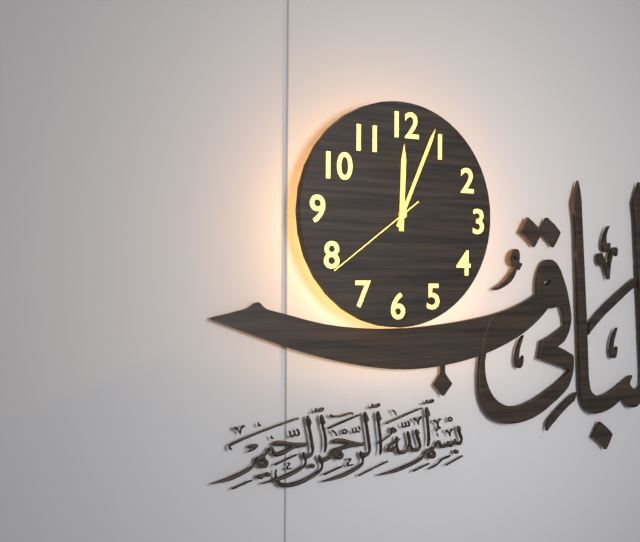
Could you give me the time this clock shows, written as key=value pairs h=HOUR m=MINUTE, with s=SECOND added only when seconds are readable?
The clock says h=12 m=4 s=39
